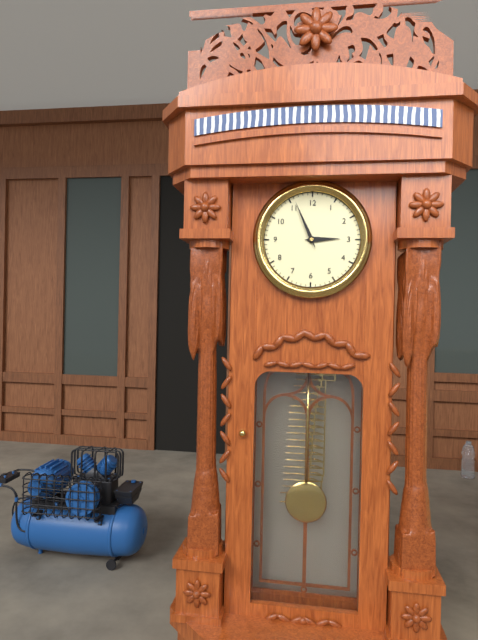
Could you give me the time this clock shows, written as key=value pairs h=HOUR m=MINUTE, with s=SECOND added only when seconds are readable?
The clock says h=2 m=56
